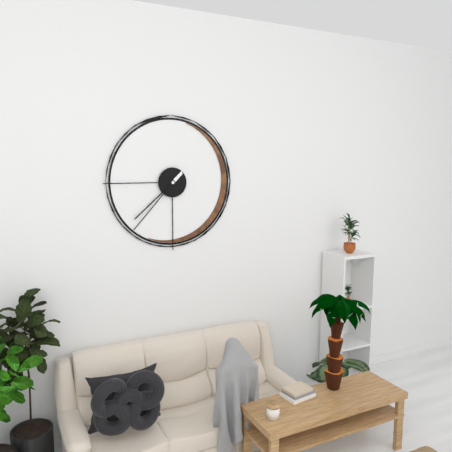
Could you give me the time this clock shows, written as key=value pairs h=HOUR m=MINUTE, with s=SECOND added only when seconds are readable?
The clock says h=7 m=37
